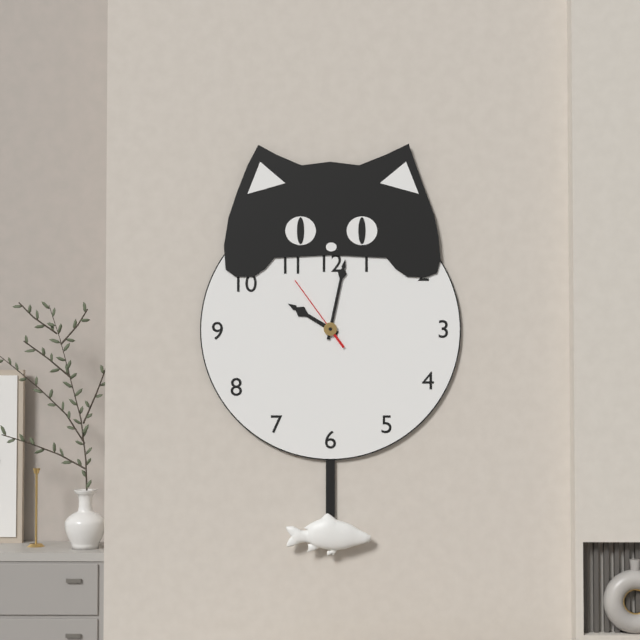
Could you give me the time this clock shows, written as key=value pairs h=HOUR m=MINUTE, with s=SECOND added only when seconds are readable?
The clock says h=10 m=2 s=54
